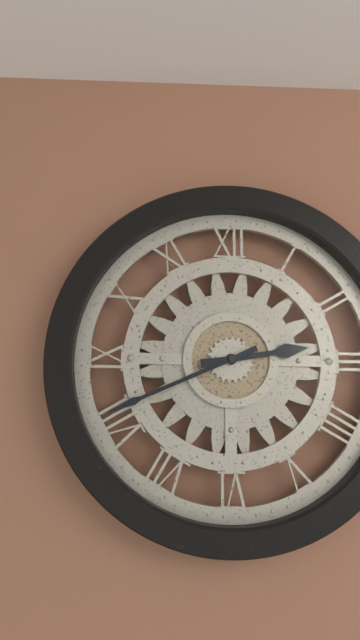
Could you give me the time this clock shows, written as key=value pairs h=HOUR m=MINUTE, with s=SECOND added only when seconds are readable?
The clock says h=2 m=41
